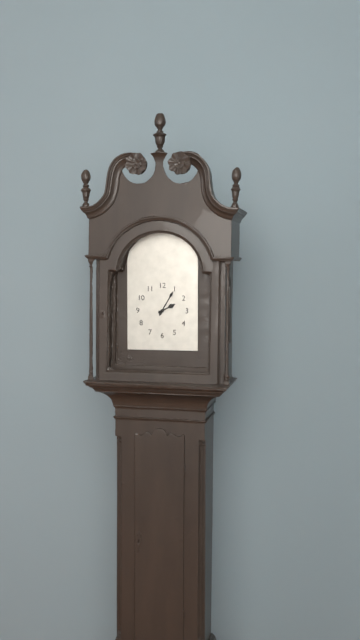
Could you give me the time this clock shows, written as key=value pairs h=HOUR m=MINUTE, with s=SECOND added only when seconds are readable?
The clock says h=2 m=5
